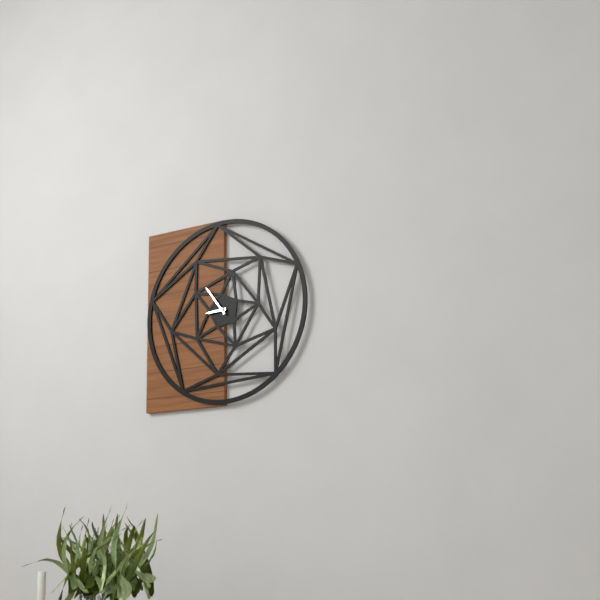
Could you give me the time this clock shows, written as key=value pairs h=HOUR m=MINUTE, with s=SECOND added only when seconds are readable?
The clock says h=8 m=54
